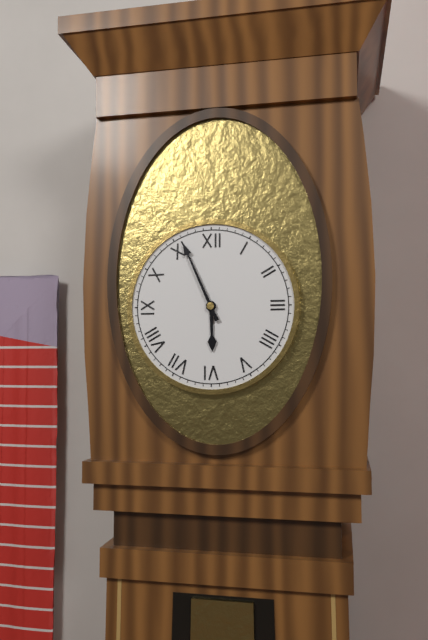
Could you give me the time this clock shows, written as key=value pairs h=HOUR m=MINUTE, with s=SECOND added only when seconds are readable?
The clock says h=5 m=56
